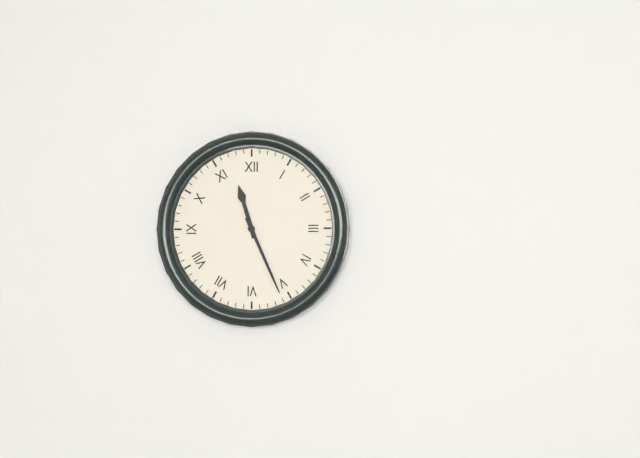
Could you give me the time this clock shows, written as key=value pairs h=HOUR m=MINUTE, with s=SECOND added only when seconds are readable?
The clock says h=11 m=26
